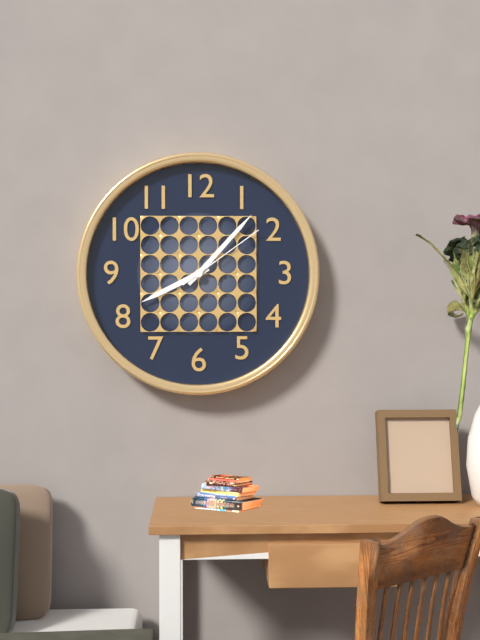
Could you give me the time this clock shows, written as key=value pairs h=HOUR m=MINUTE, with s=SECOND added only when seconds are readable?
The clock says h=8 m=7 s=9
